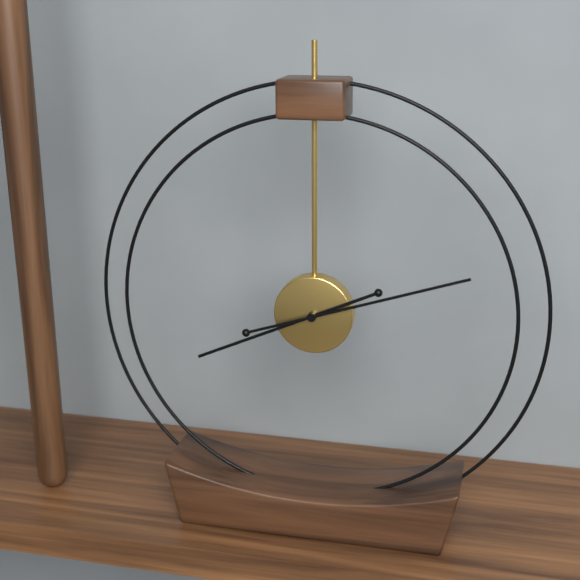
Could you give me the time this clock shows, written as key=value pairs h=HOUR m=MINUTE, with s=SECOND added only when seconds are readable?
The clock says h=8 m=12
